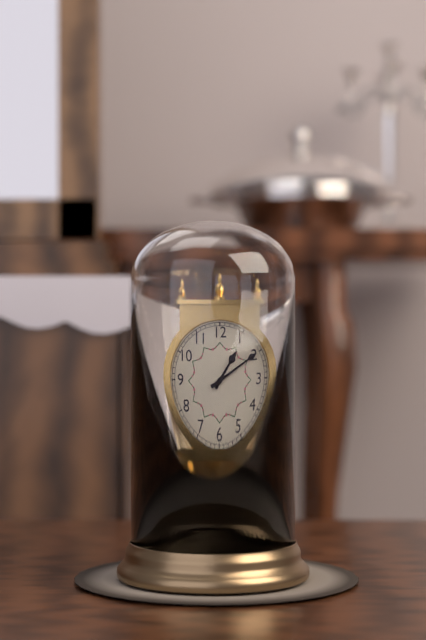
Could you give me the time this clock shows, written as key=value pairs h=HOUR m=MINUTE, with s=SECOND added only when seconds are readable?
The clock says h=1 m=10
